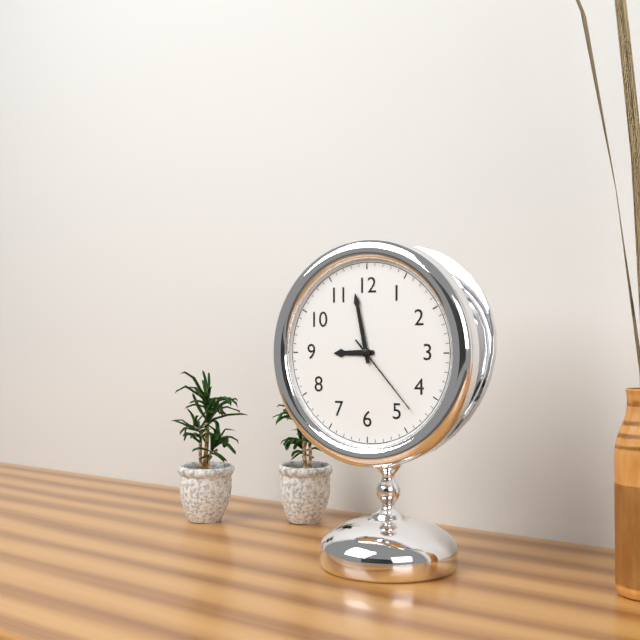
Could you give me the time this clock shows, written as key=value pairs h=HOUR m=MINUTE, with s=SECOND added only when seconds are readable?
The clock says h=8 m=58 s=23
